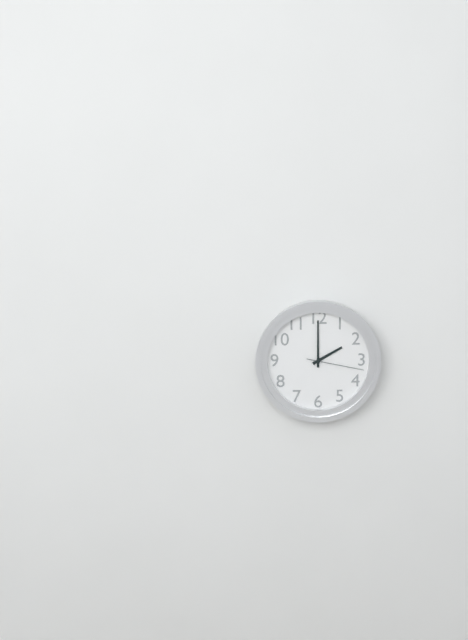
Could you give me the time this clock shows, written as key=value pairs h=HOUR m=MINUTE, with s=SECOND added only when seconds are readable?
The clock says h=2 m=0 s=17
